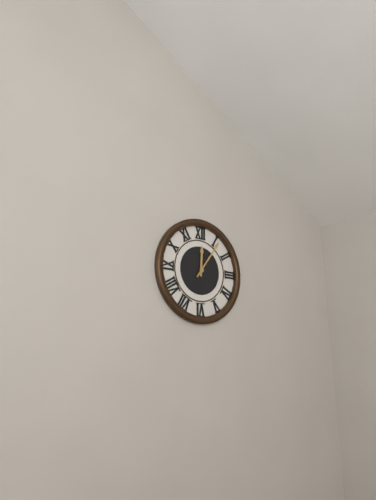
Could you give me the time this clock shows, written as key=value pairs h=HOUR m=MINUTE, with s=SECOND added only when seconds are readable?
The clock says h=12 m=6
